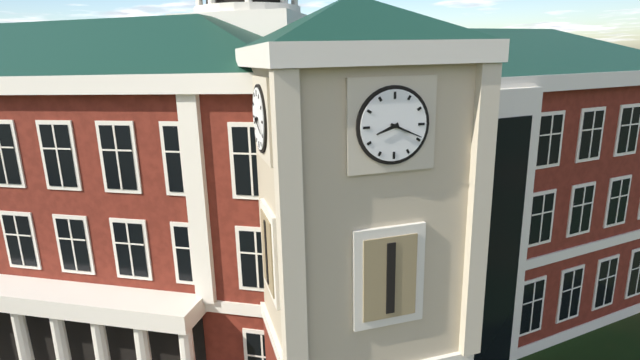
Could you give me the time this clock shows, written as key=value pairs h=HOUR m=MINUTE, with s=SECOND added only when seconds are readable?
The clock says h=8 m=19
